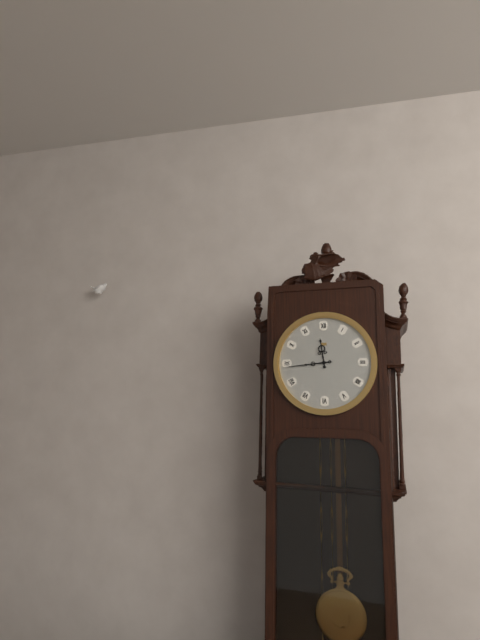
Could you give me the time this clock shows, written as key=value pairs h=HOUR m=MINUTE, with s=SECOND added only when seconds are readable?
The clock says h=11 m=44
